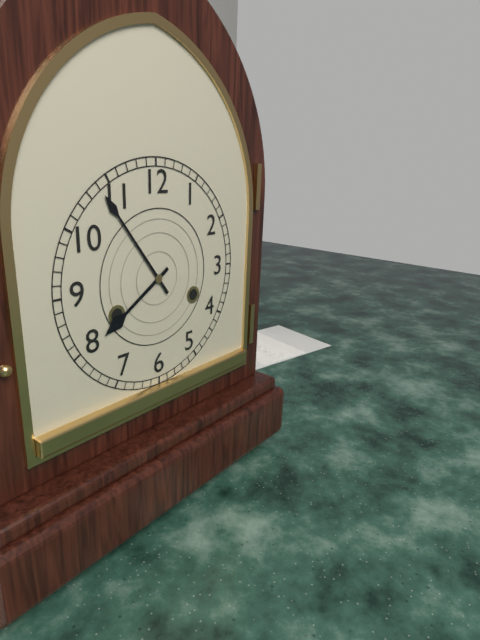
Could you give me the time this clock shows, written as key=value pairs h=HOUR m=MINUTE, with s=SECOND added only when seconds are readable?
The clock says h=7 m=54
